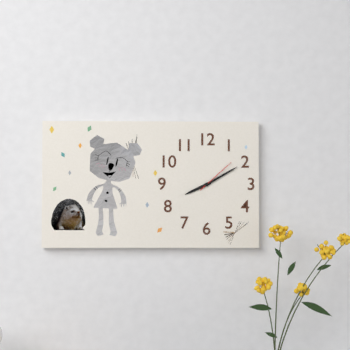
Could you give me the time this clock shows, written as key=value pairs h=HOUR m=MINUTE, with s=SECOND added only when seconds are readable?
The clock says h=8 m=10
